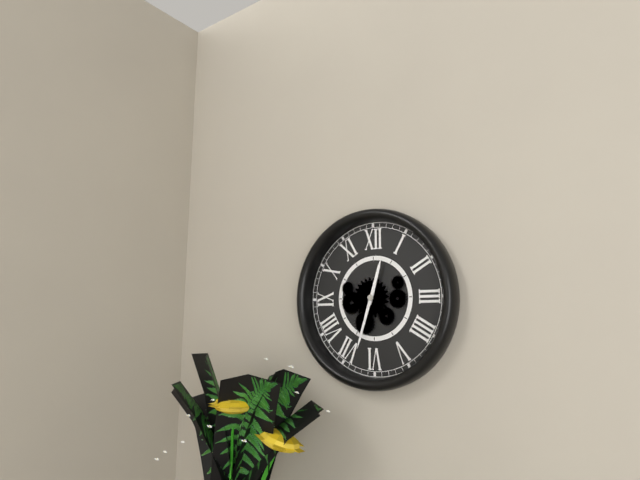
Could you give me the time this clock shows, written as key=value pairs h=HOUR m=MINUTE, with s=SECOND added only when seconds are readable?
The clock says h=12 m=33
